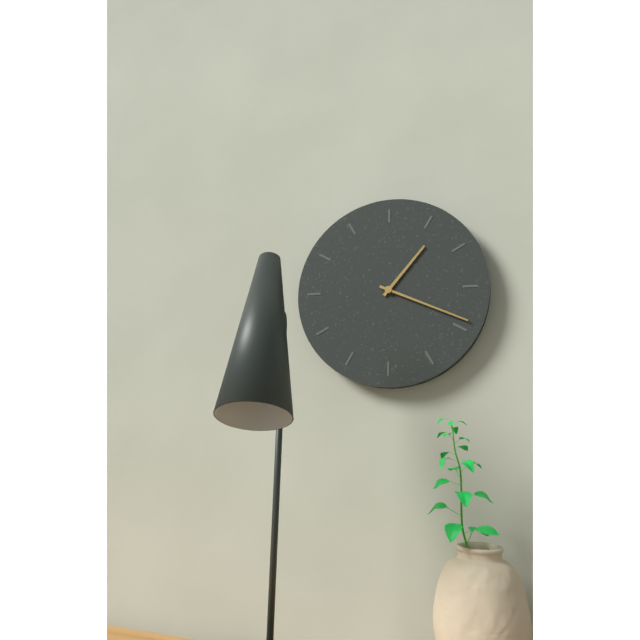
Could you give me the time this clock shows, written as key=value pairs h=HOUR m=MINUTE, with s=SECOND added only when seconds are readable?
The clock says h=1 m=19
